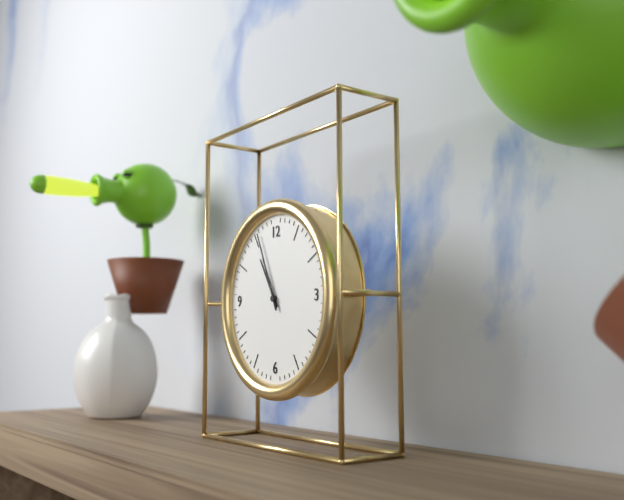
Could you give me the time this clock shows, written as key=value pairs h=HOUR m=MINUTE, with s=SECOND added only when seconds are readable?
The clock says h=10 m=56
